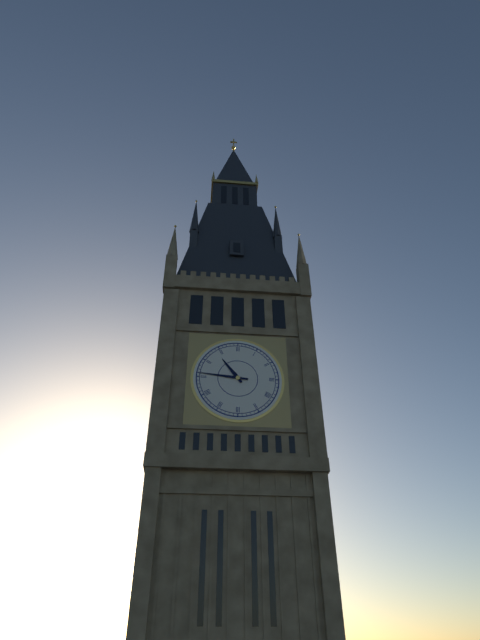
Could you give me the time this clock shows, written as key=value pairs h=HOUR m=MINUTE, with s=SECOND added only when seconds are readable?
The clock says h=10 m=46
